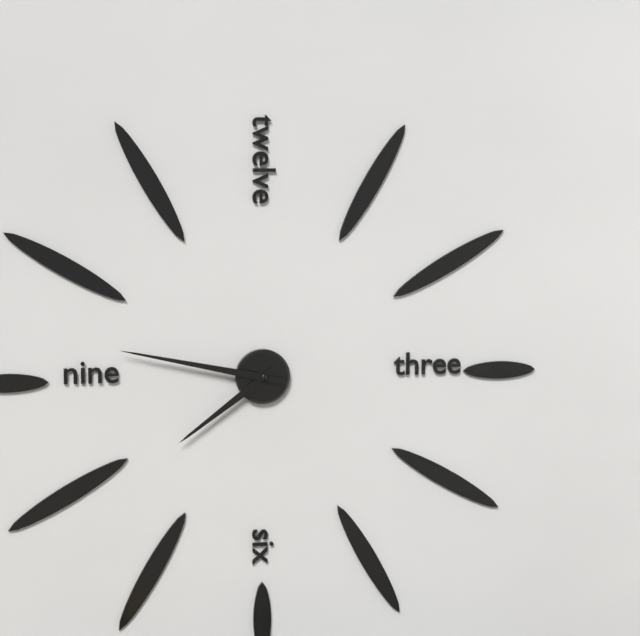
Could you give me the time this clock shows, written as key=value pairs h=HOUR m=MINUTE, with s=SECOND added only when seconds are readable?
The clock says h=7 m=47
